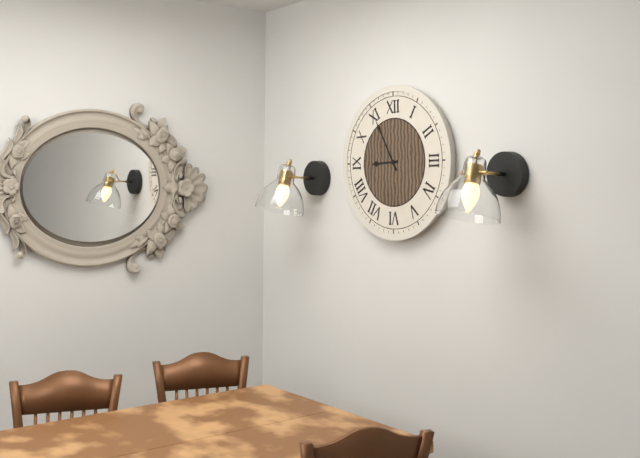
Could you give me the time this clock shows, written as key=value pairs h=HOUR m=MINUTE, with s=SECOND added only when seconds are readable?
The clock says h=8 m=55
